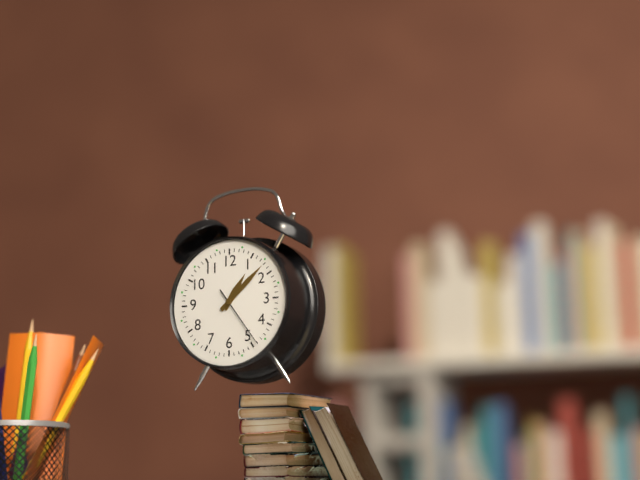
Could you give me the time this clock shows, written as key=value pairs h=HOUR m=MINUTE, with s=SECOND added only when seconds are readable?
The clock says h=1 m=8 s=24
